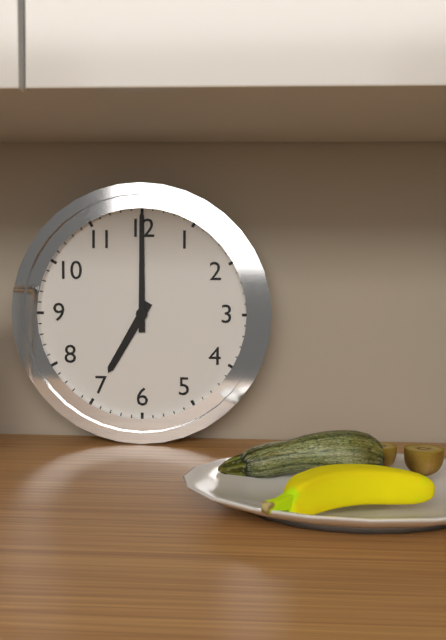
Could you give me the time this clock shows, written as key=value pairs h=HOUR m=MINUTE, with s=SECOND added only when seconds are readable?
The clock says h=7 m=0
